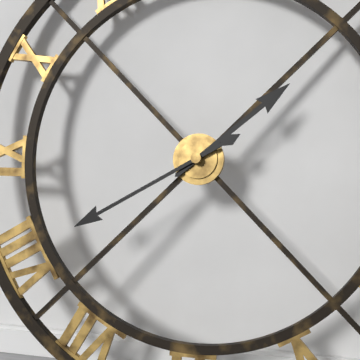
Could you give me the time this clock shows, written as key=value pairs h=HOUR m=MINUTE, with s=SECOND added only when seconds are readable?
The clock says h=1 m=40
